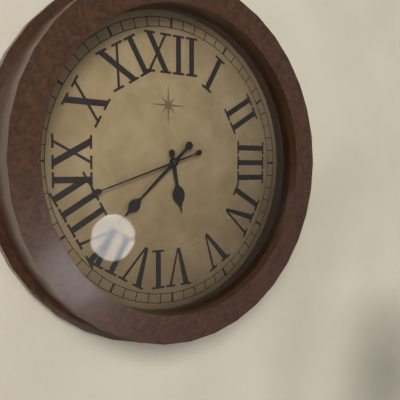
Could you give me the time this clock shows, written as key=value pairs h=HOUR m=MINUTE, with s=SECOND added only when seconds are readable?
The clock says h=5 m=38 s=42
